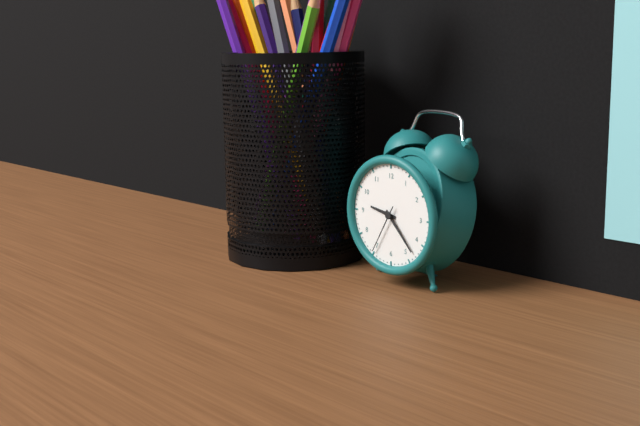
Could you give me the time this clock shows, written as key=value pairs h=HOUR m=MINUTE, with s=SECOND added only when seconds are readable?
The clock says h=9 m=23
